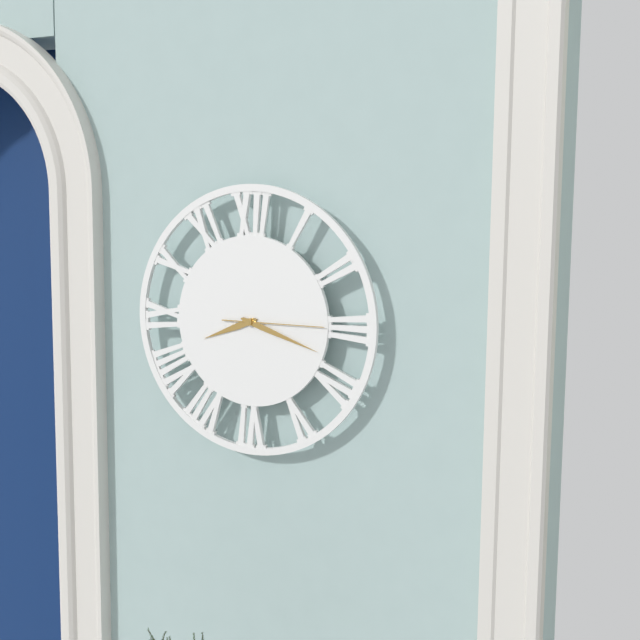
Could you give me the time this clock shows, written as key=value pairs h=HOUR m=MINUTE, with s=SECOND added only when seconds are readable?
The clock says h=8 m=18 s=15
